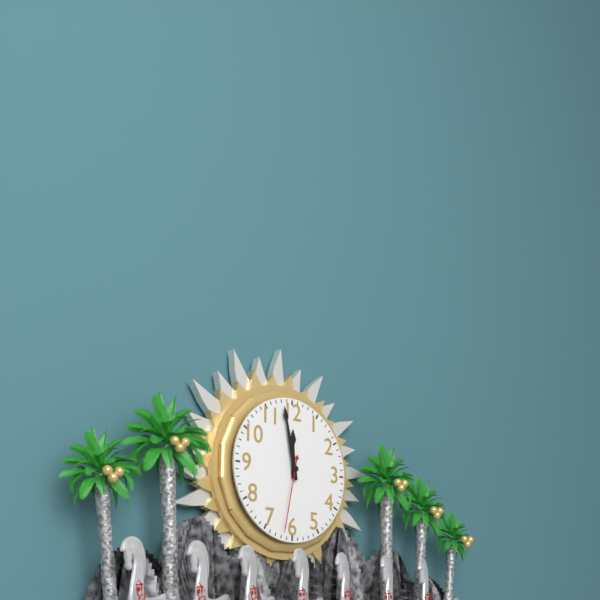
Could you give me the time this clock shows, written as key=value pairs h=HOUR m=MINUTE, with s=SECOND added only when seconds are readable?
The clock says h=11 m=58 s=32
